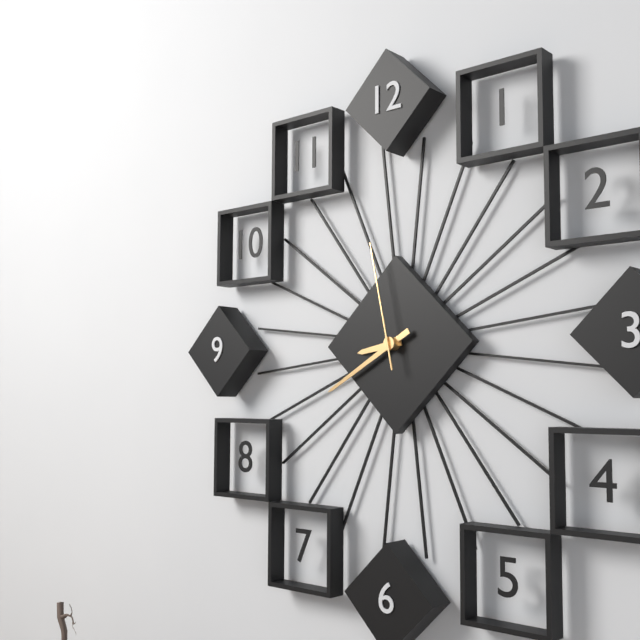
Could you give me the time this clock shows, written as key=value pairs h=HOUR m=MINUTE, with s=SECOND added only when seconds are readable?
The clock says h=8 m=40 s=58
